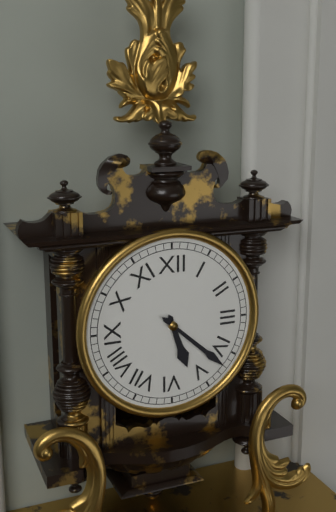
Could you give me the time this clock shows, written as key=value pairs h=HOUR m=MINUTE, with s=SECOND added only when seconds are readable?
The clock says h=5 m=22
